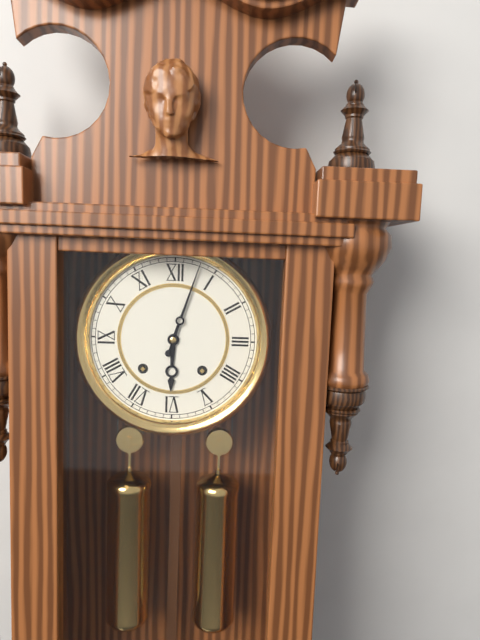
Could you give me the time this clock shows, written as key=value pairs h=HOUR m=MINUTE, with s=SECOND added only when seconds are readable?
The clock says h=6 m=3
